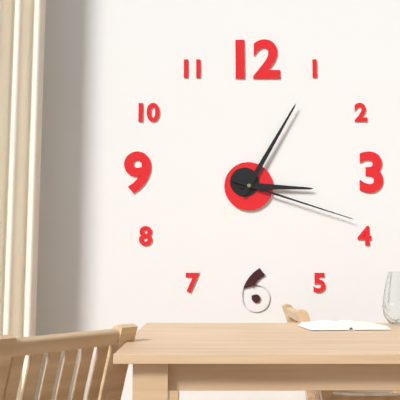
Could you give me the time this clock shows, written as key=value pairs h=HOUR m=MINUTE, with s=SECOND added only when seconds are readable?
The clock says h=3 m=5 s=18
